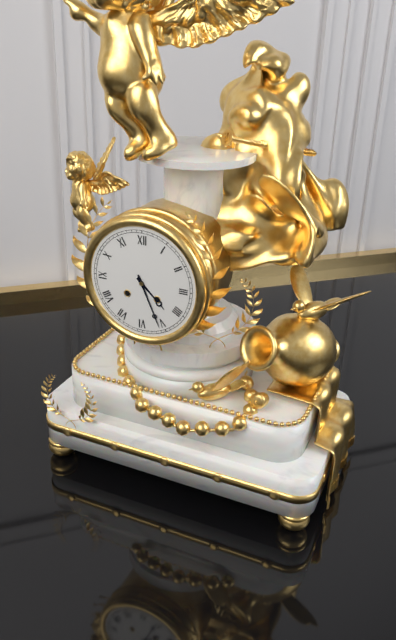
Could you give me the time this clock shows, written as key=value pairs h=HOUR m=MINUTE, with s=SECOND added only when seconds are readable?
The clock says h=4 m=26
